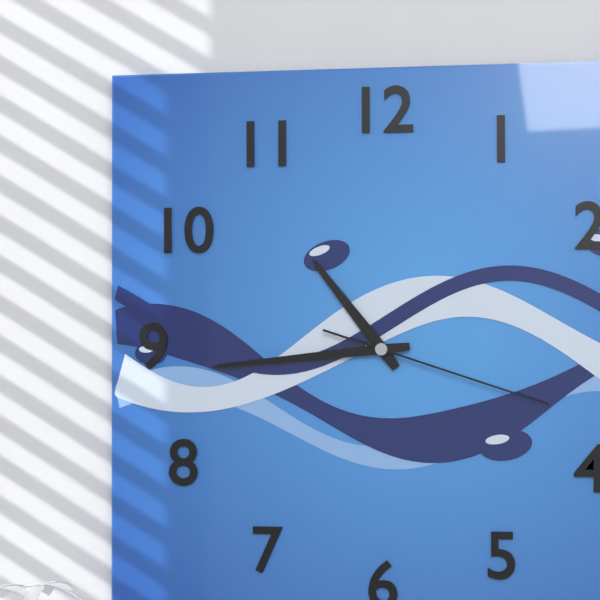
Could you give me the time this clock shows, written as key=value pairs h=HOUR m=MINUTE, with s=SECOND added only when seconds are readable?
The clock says h=10 m=44 s=18
